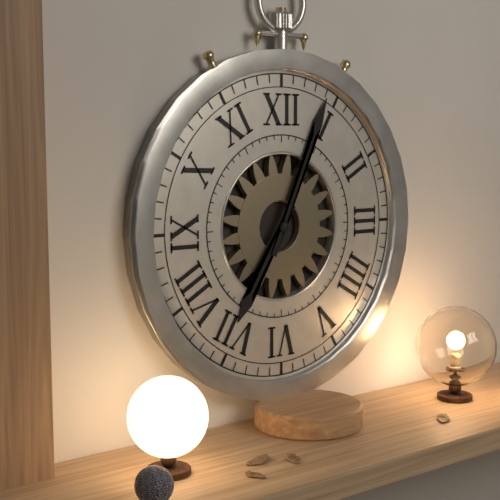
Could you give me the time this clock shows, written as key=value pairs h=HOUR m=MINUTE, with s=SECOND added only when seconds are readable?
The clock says h=7 m=4
